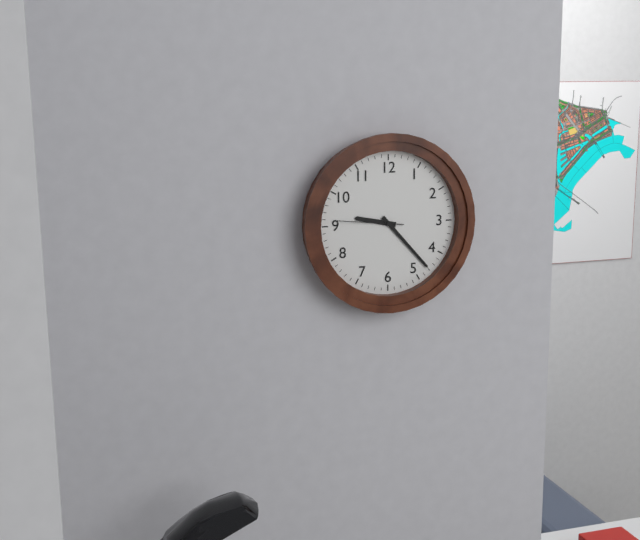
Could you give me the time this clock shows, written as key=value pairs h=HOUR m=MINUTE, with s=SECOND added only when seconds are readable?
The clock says h=9 m=23 s=46
